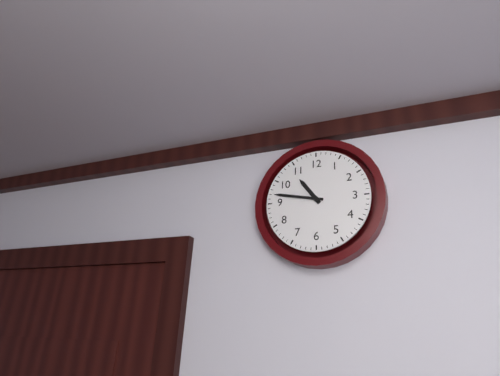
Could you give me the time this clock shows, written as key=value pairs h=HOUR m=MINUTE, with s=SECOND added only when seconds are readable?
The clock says h=10 m=47
